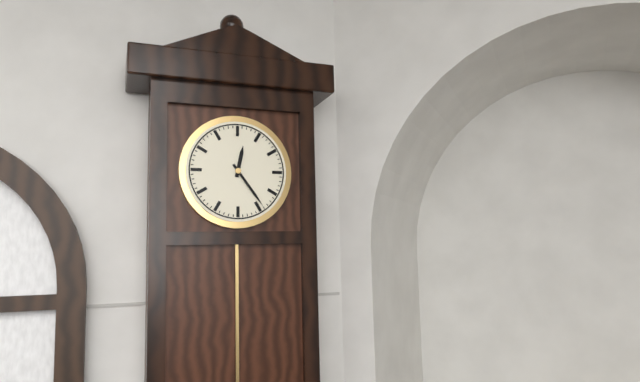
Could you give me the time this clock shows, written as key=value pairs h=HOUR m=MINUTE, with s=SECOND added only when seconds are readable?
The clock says h=12 m=24
